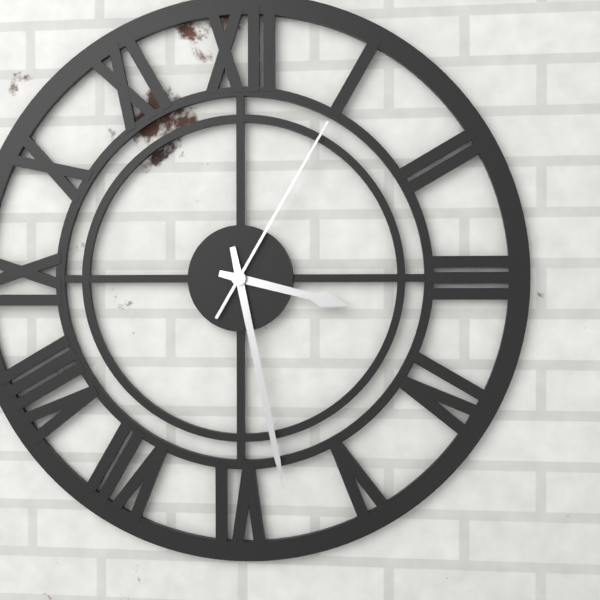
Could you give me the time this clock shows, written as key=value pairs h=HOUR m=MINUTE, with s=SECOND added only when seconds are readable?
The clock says h=3 m=28 s=5
